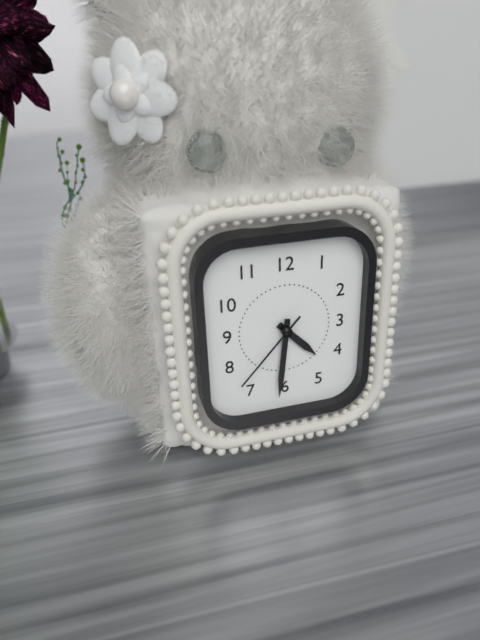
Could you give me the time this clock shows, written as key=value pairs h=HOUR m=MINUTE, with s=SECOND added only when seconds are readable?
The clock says h=4 m=31 s=37
